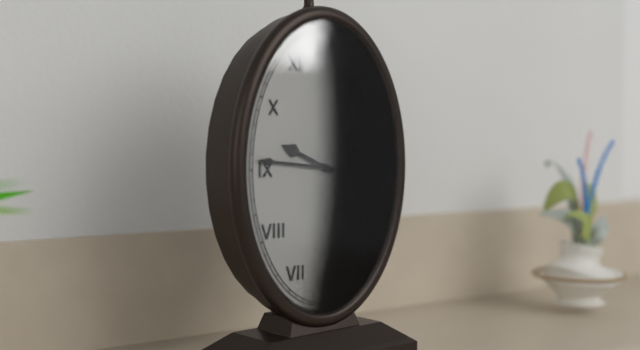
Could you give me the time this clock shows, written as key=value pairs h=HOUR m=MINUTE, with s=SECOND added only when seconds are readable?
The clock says h=9 m=46
